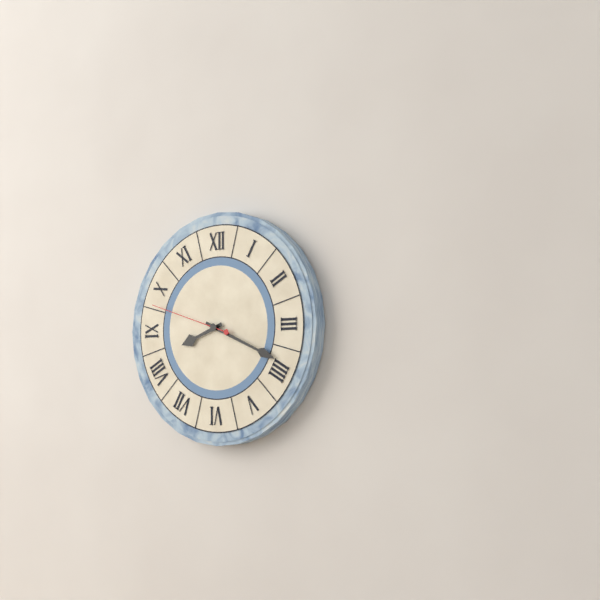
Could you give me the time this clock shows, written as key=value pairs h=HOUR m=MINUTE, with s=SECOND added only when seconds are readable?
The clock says h=8 m=19 s=48
